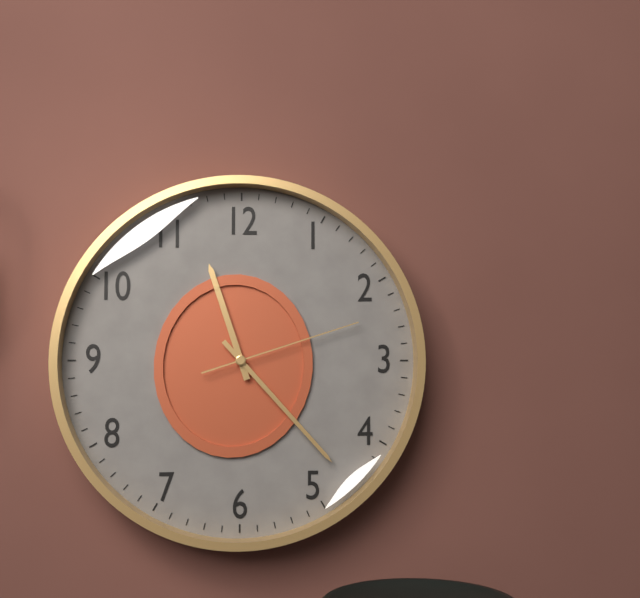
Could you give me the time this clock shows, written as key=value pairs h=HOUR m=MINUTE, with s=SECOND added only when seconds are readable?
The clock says h=11 m=23 s=12
